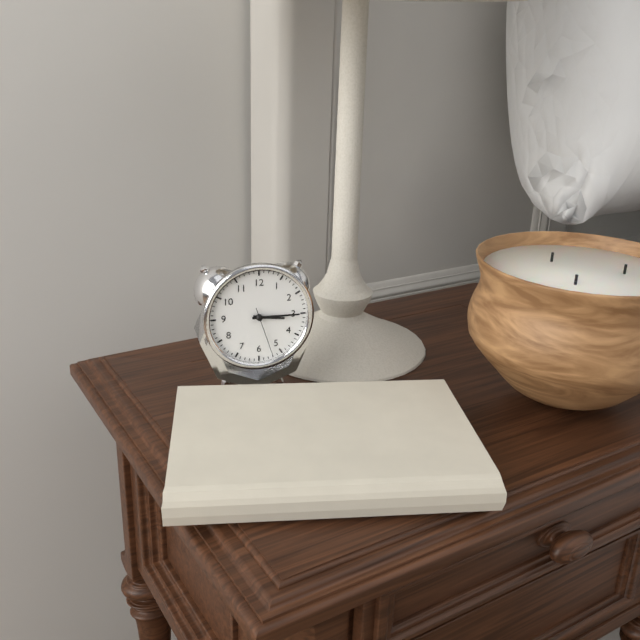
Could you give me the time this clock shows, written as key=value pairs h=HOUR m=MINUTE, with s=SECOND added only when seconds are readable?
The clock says h=3 m=15 s=27
